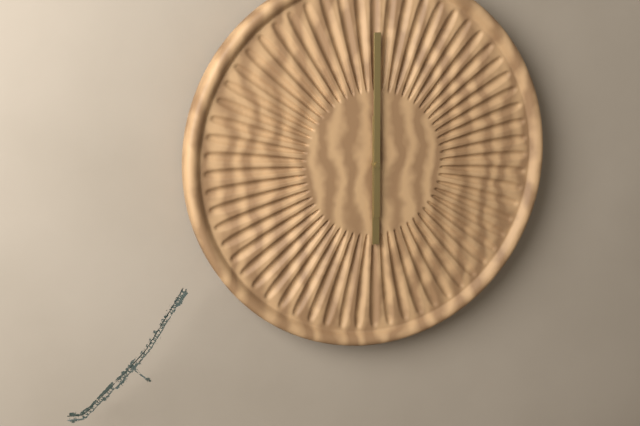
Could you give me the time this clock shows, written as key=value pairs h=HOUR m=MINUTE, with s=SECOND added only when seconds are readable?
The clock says h=6 m=0
